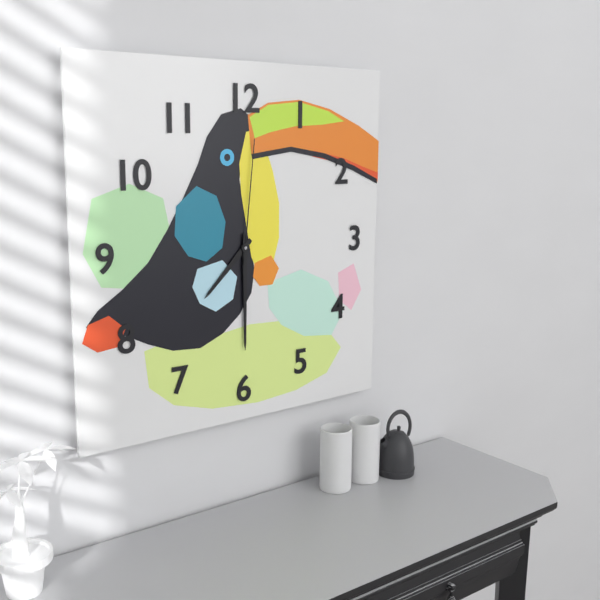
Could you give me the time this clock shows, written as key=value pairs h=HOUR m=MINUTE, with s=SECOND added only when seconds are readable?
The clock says h=7 m=30 s=1
